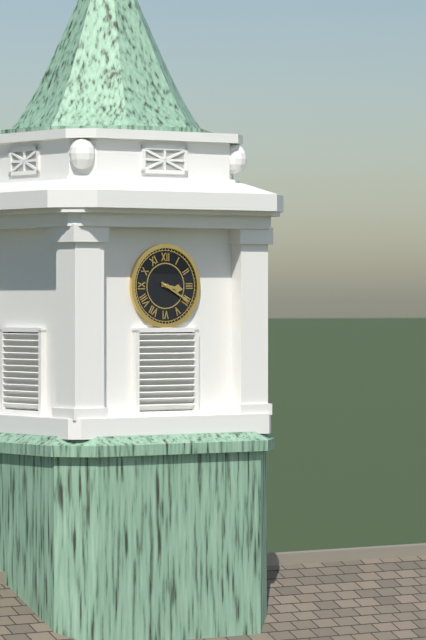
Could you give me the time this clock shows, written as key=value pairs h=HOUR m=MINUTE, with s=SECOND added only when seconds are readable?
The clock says h=3 m=20
